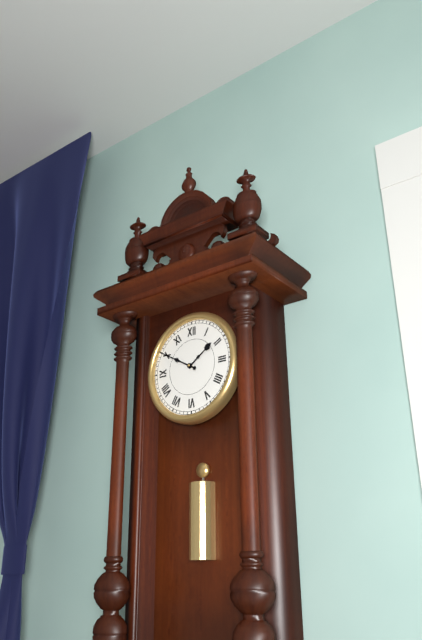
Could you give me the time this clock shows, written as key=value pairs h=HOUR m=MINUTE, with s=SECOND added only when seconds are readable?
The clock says h=1 m=50
